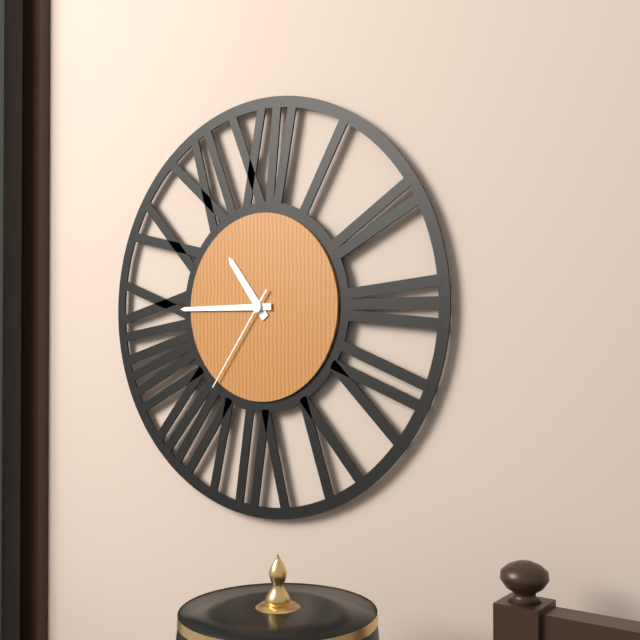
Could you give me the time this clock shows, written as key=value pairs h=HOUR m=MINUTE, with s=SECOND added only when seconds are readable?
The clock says h=10 m=45 s=36
